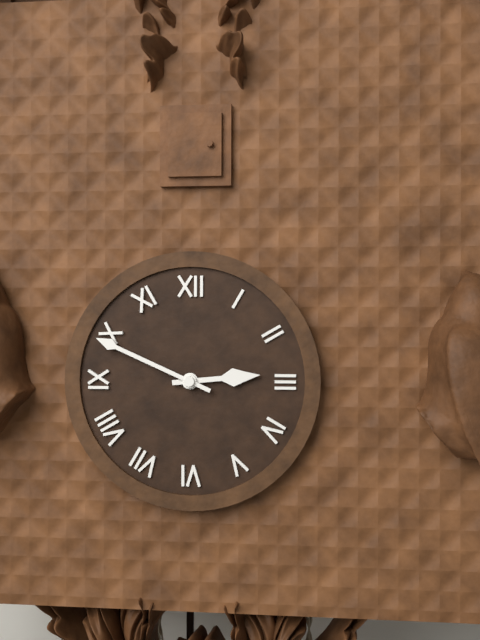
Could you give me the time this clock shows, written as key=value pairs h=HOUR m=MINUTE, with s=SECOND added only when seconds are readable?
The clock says h=2 m=49
